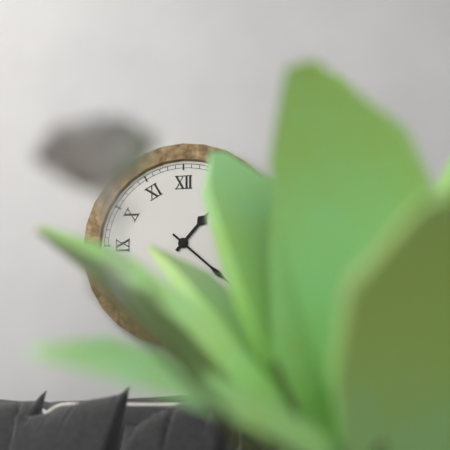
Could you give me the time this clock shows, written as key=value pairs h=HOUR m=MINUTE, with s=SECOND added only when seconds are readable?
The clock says h=1 m=22
